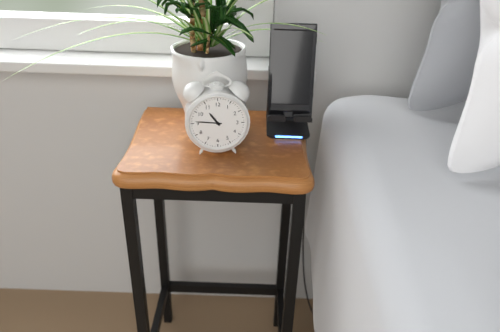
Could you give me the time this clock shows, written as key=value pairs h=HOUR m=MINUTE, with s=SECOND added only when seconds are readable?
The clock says h=10 m=46
